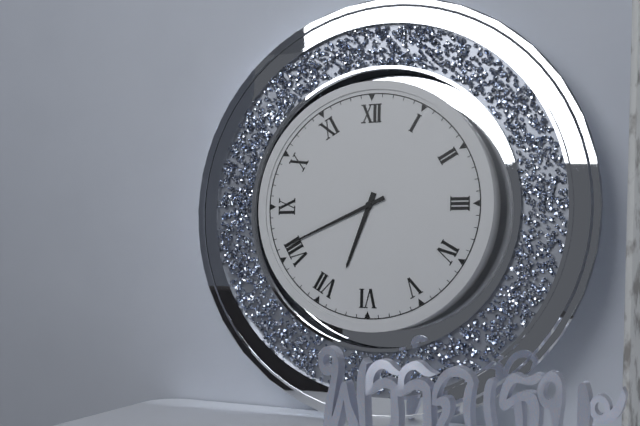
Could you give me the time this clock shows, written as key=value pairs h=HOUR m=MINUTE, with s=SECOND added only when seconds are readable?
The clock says h=6 m=41
